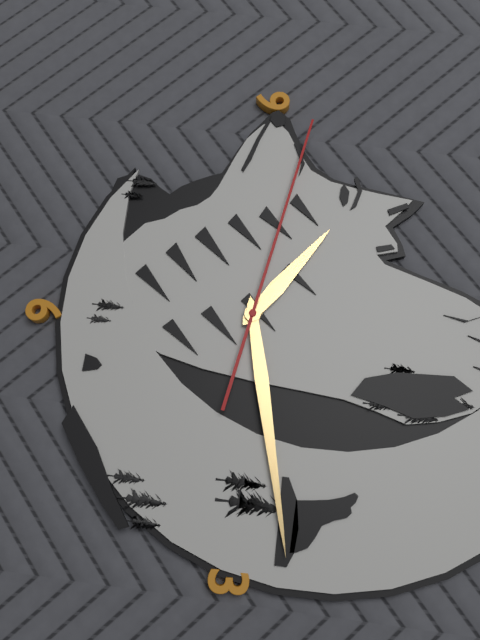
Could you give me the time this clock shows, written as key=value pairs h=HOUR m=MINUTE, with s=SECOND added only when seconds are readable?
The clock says h=10 m=13 s=47
